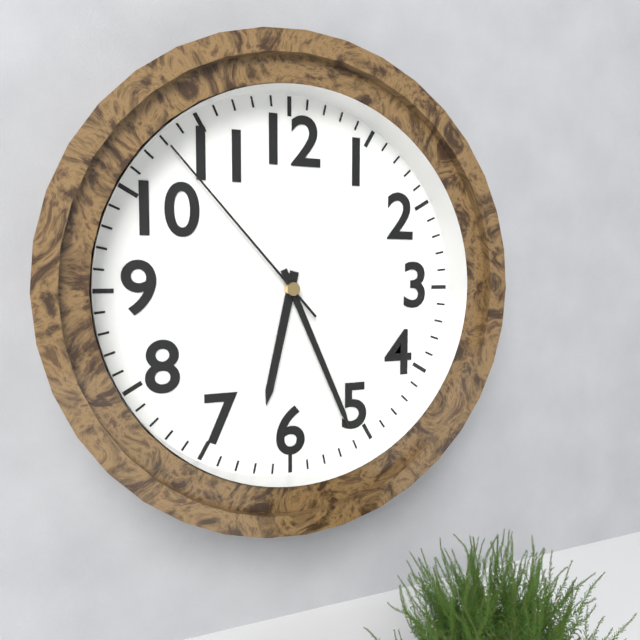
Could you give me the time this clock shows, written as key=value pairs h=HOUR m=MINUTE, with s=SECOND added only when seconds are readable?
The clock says h=6 m=26 s=53
